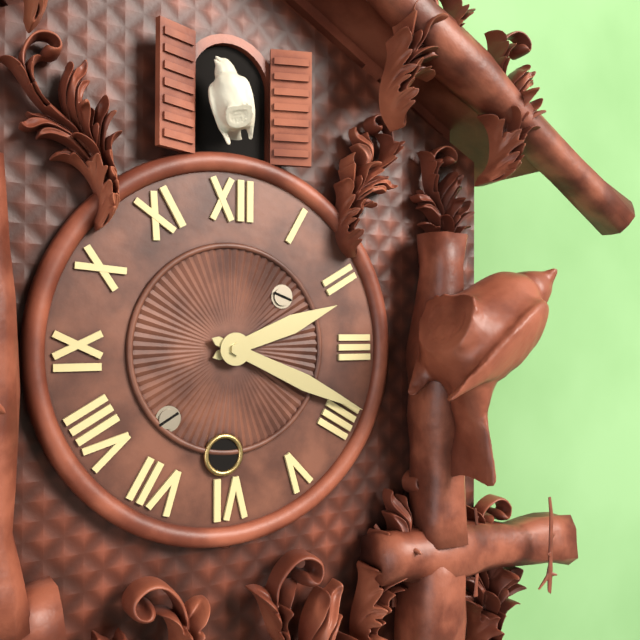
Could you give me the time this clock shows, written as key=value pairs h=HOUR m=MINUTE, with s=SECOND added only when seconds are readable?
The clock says h=2 m=19
